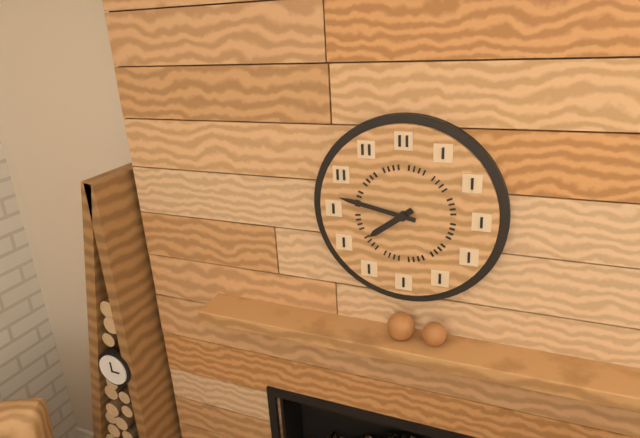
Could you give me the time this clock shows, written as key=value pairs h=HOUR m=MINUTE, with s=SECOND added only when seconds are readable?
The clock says h=7 m=47
